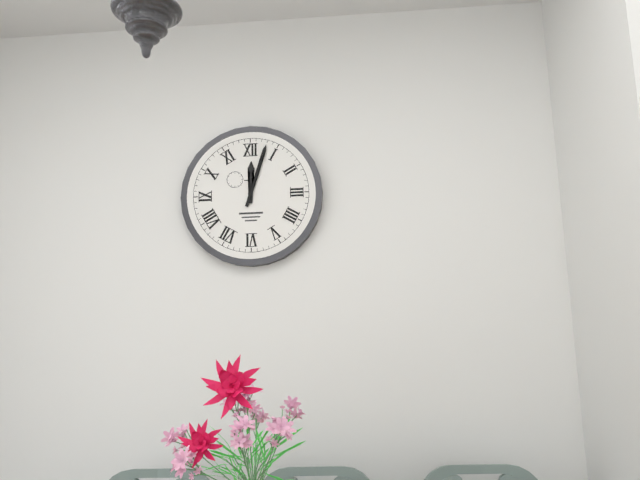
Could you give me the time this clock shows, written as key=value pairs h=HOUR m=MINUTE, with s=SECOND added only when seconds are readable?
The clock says h=12 m=3
